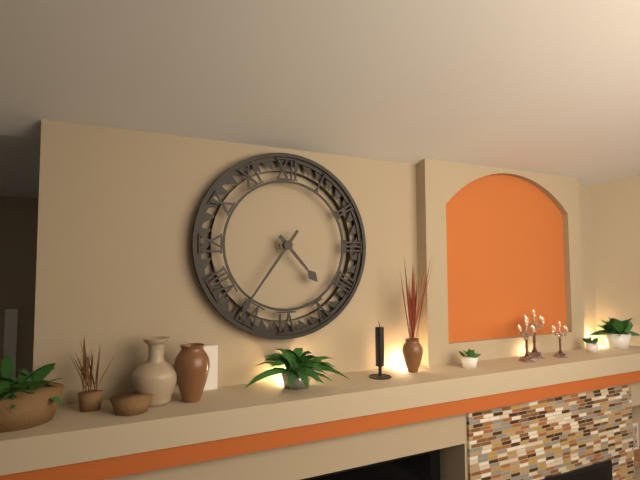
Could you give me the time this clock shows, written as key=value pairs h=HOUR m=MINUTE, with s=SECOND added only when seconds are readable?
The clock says h=4 m=36
